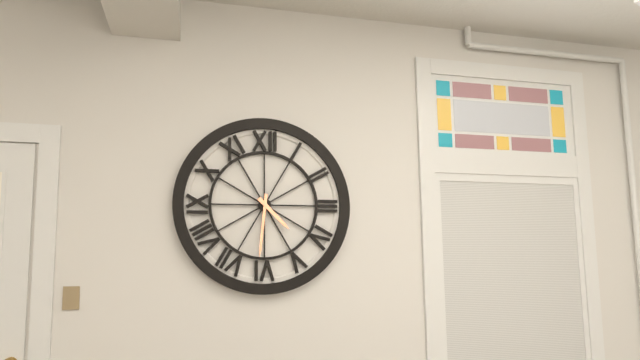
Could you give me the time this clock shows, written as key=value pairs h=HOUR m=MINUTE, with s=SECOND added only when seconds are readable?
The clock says h=4 m=31
